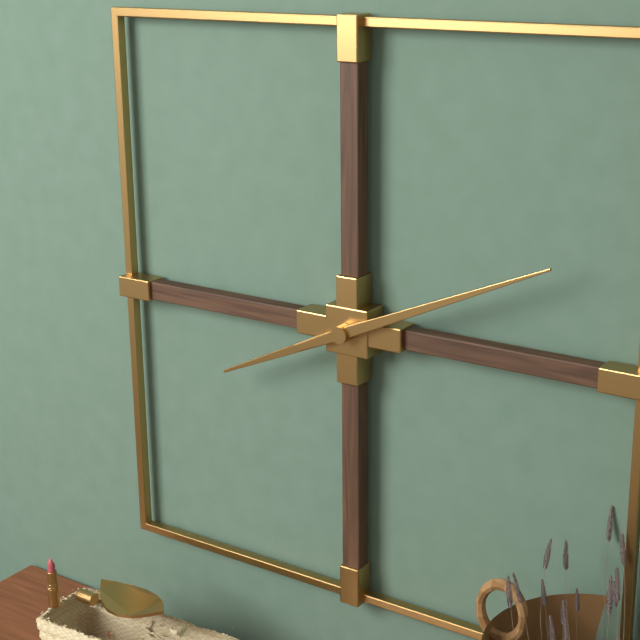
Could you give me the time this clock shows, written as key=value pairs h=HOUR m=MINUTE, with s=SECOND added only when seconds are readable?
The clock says h=8 m=11
